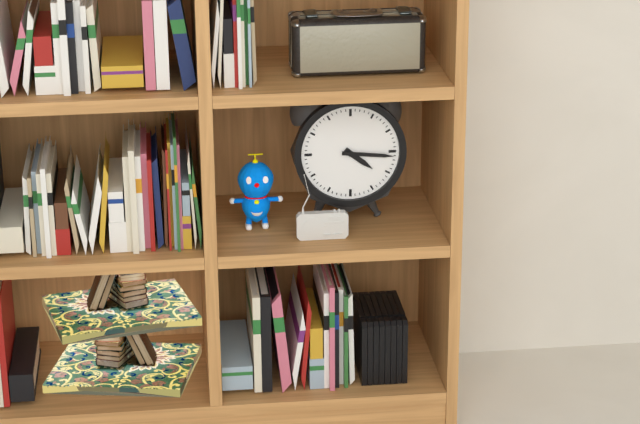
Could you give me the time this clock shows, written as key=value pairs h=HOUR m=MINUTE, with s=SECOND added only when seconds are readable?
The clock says h=4 m=16
